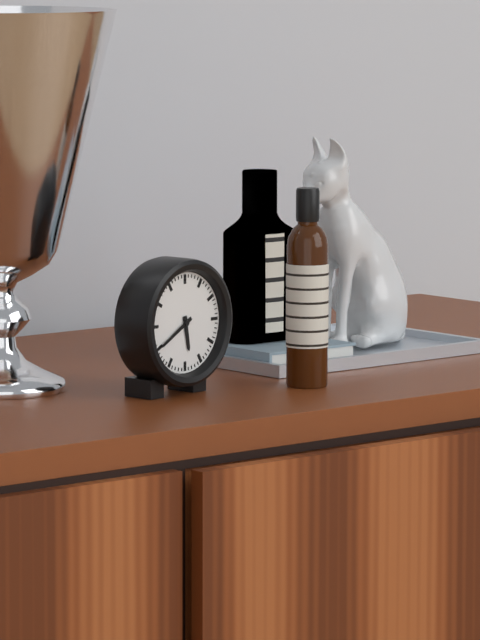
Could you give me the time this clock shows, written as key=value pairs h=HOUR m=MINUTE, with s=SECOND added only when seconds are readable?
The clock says h=5 m=40
